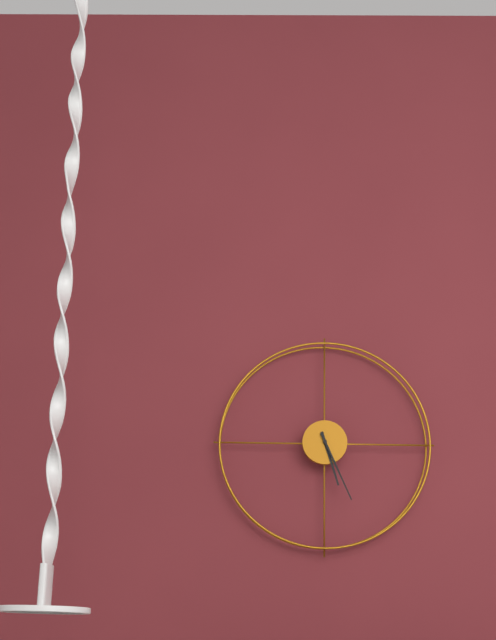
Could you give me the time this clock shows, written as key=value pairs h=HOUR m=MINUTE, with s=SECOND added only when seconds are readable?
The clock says h=5 m=26
